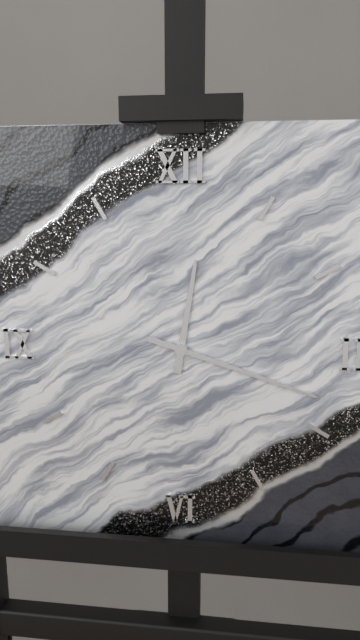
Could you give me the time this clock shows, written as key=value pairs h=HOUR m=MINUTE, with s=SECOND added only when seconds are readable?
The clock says h=12 m=18
